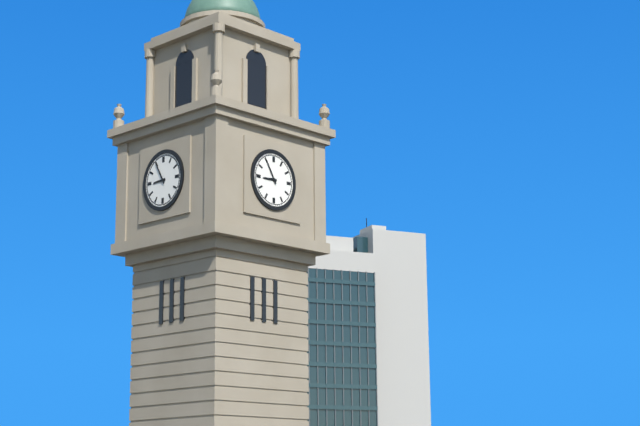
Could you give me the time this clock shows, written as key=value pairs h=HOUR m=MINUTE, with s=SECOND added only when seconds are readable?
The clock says h=8 m=55
